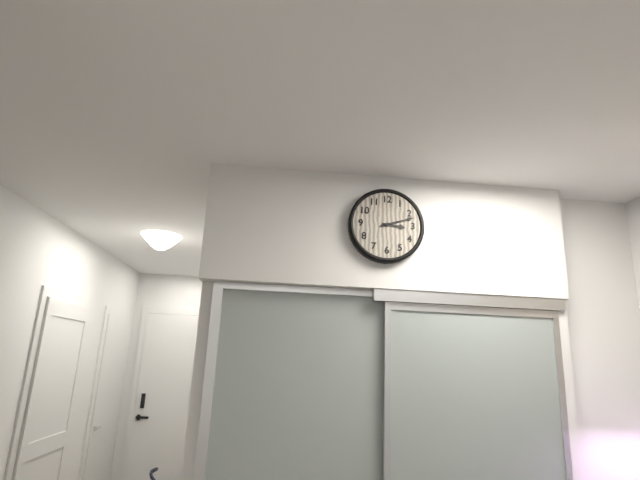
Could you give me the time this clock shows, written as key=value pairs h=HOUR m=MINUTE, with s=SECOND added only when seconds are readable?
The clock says h=3 m=12
